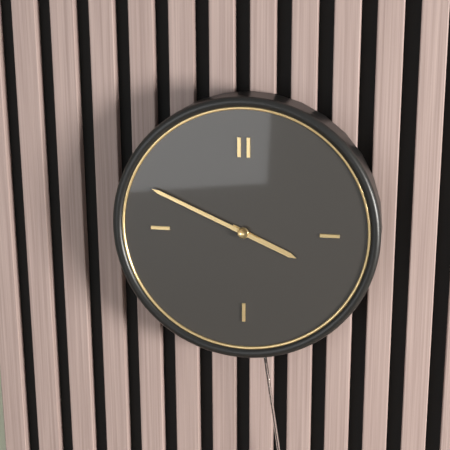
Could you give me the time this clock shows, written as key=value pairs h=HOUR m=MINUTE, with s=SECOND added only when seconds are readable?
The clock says h=3 m=49
